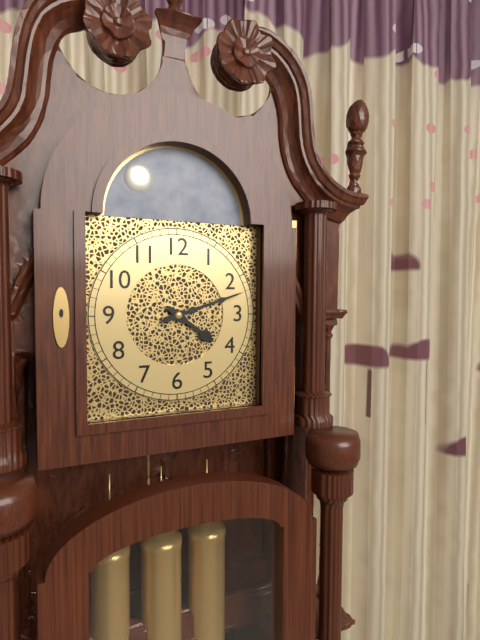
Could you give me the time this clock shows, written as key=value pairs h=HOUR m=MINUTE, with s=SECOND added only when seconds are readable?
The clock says h=4 m=12
